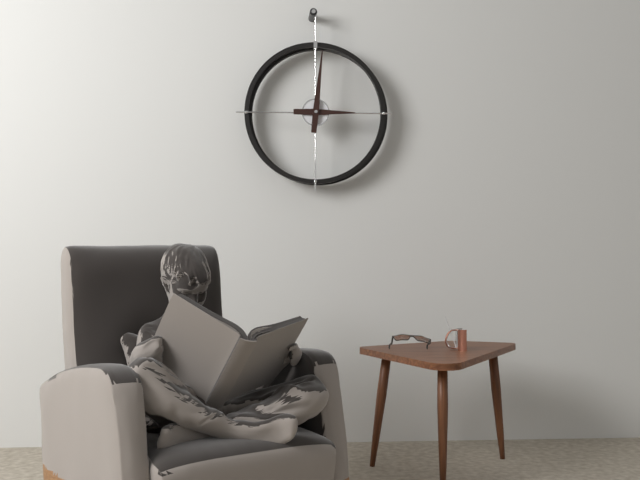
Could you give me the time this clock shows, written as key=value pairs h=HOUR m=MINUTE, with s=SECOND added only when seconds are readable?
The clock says h=3 m=1
